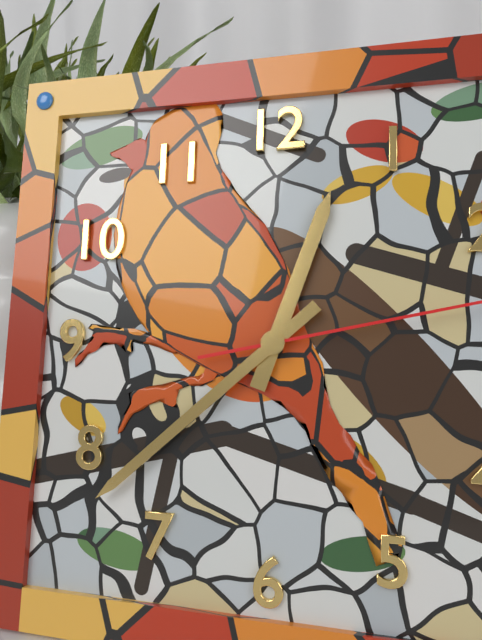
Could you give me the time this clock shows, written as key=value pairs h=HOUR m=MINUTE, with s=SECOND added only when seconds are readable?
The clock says h=12 m=38
